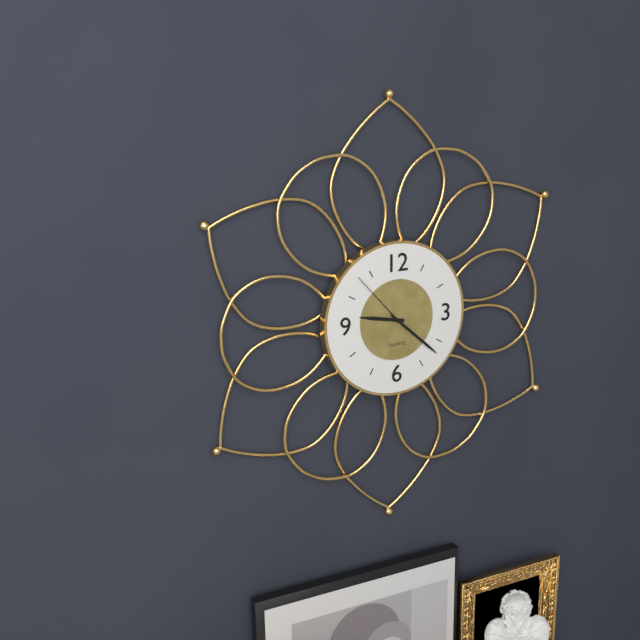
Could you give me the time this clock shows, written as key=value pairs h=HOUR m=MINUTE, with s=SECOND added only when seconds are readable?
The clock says h=9 m=22 s=53
